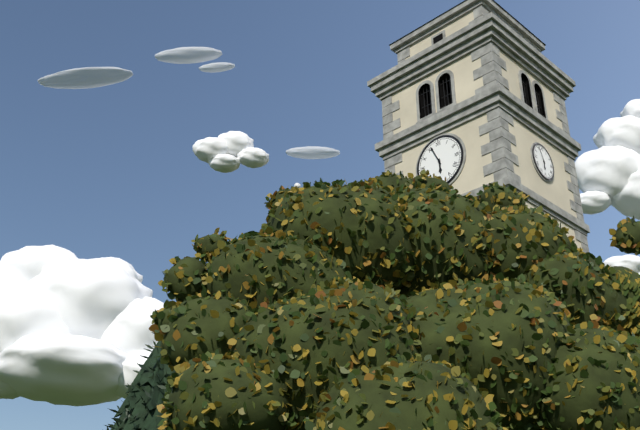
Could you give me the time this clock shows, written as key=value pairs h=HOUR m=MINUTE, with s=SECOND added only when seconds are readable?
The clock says h=5 m=56
